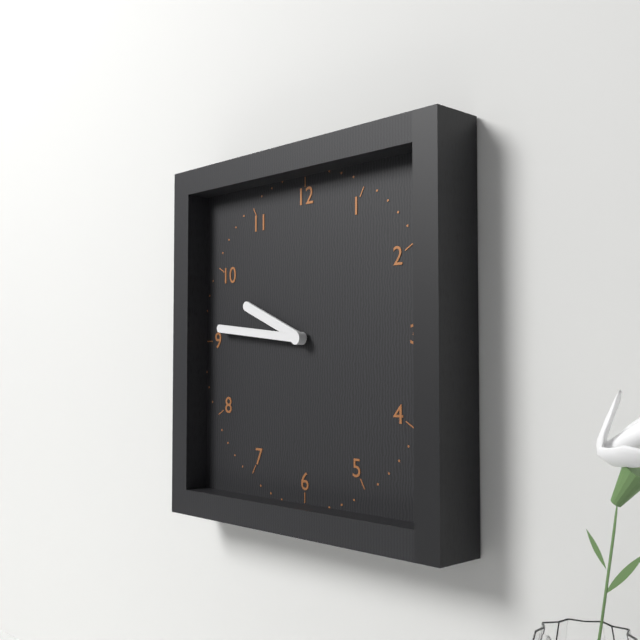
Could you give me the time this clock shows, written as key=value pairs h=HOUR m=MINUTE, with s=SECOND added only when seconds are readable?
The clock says h=9 m=46
